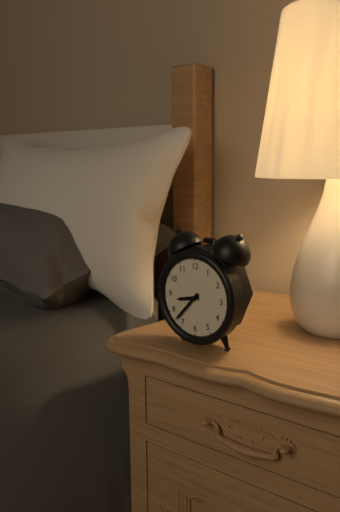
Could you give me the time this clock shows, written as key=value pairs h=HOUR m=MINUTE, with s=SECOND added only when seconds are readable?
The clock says h=8 m=37
